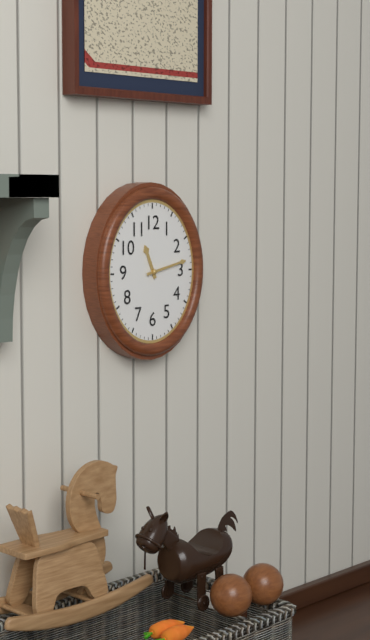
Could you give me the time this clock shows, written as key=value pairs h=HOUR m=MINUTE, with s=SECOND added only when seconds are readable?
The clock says h=11 m=13
